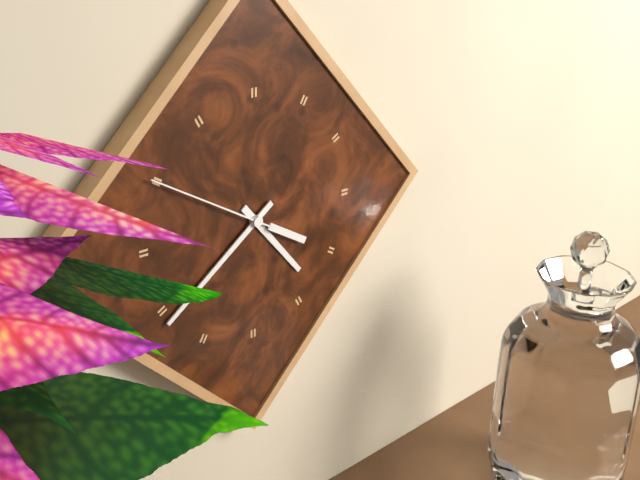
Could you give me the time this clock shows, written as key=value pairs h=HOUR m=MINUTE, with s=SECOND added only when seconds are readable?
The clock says h=4 m=39 s=50
